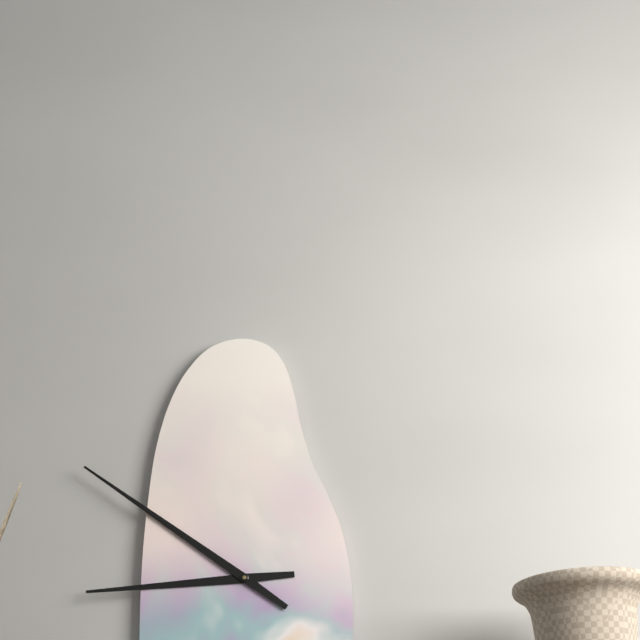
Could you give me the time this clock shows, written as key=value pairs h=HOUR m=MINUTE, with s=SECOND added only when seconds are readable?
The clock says h=8 m=51
